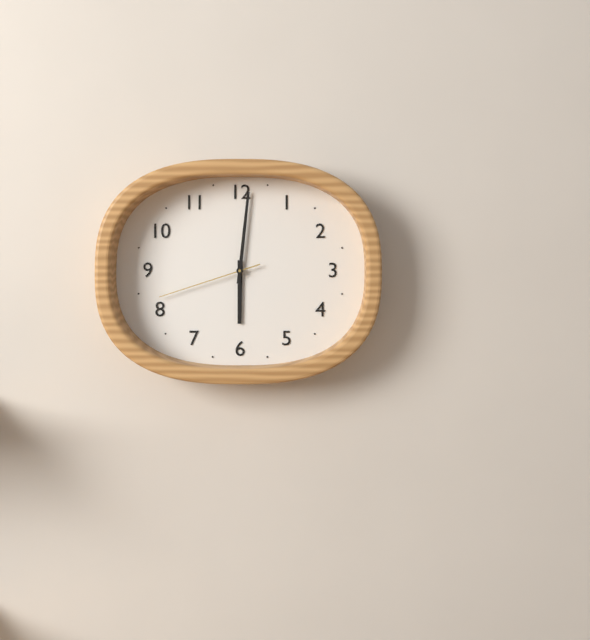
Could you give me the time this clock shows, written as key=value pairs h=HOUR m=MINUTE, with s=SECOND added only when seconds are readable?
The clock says h=6 m=1 s=42
